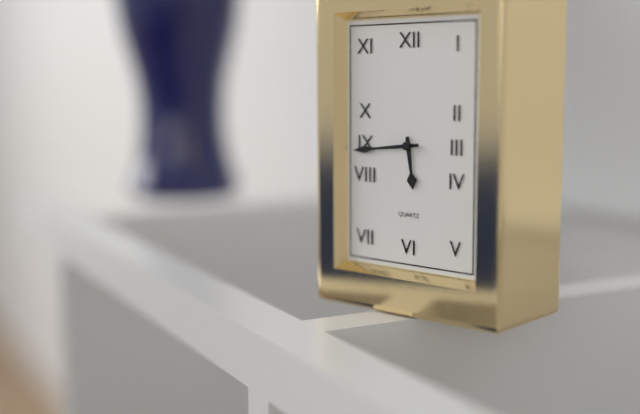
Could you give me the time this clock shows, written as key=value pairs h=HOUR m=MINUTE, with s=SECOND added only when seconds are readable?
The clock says h=5 m=44
